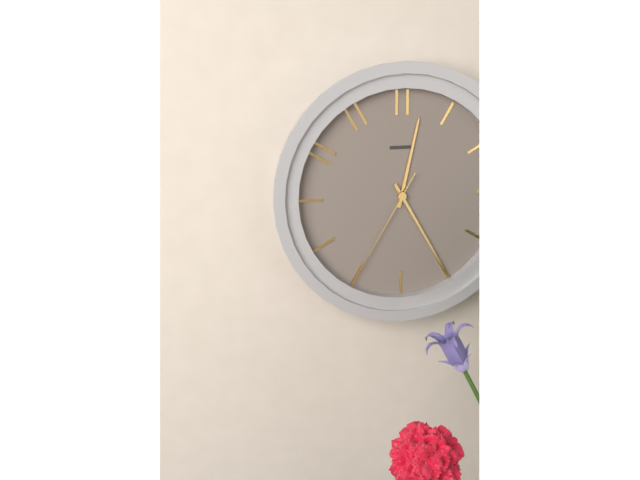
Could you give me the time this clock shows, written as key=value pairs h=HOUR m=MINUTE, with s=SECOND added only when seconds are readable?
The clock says h=12 m=25 s=35
